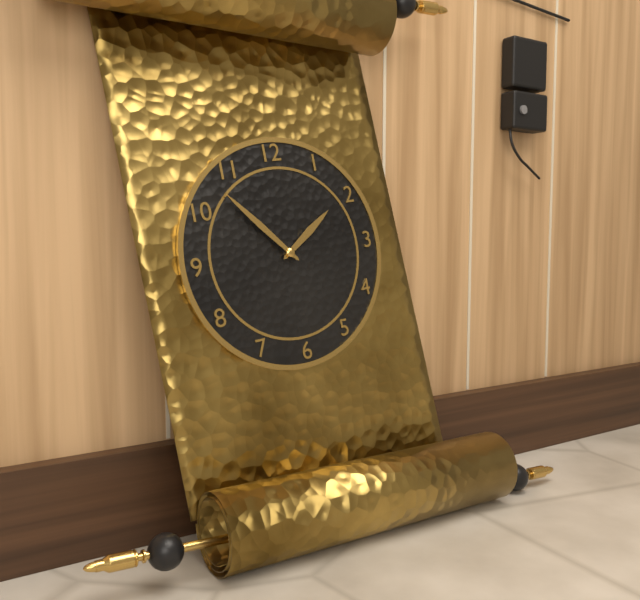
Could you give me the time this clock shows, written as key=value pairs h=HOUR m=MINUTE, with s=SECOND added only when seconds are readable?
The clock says h=1 m=53
